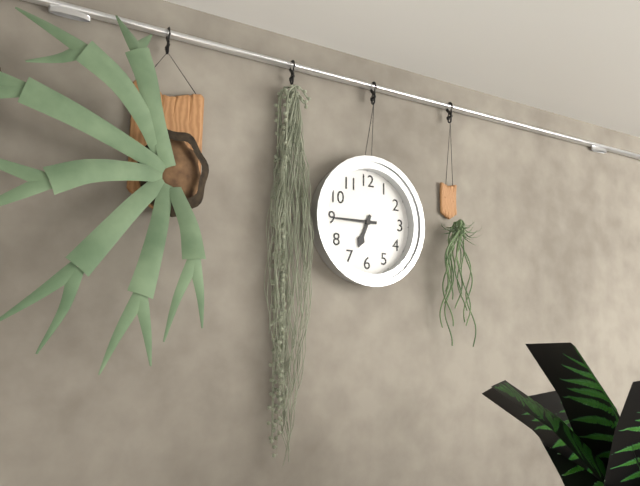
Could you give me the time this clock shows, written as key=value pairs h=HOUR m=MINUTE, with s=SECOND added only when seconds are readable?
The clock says h=6 m=45
